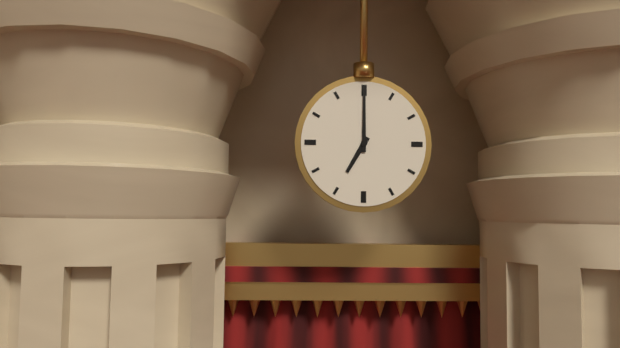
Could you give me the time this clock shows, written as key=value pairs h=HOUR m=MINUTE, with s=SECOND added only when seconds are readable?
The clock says h=7 m=0
